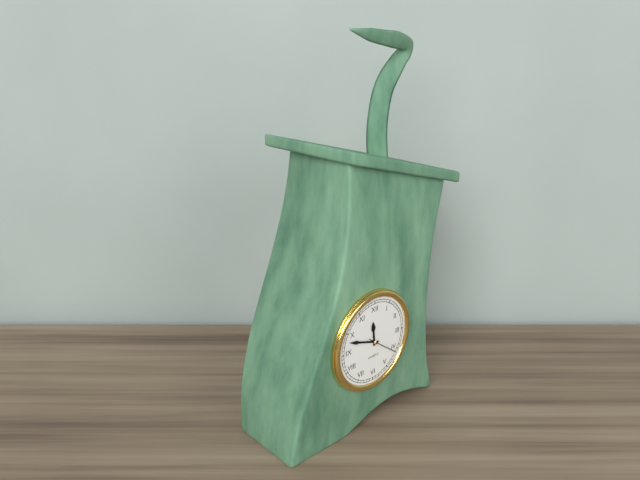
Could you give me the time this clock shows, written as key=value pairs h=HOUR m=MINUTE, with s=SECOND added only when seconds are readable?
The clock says h=11 m=48
